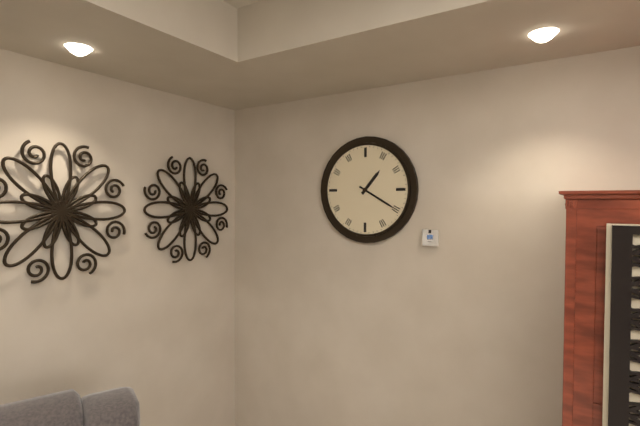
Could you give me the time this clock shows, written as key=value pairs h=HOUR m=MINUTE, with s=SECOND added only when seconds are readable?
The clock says h=1 m=20
